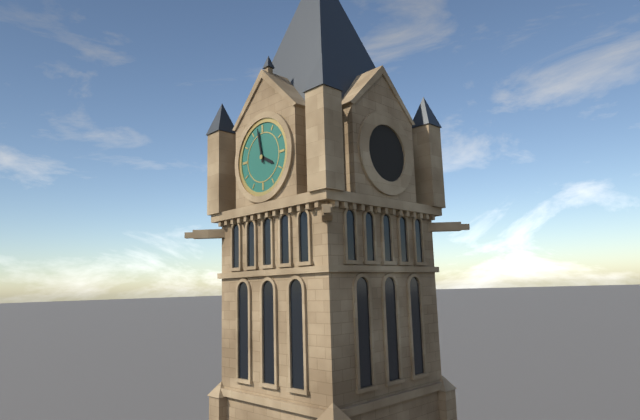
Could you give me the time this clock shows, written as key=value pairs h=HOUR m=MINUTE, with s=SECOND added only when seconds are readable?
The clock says h=3 m=58
